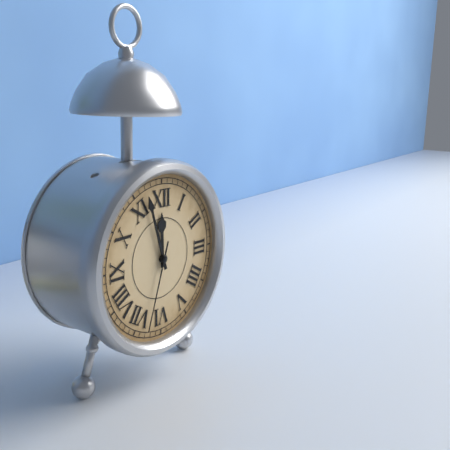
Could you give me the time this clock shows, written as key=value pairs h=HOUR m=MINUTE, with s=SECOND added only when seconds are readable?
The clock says h=11 m=57 s=33
